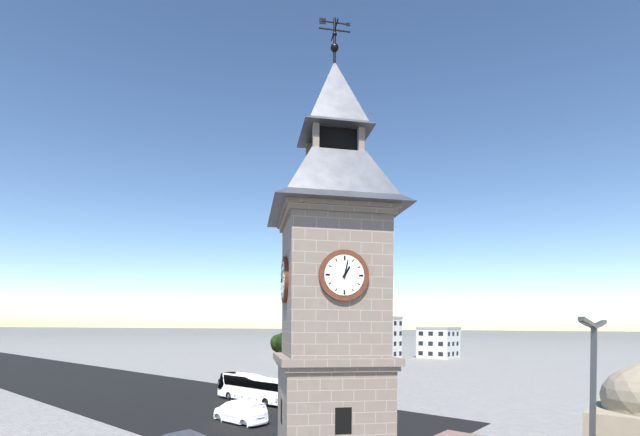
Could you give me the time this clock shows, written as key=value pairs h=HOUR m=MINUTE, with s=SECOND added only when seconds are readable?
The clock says h=1 m=2
